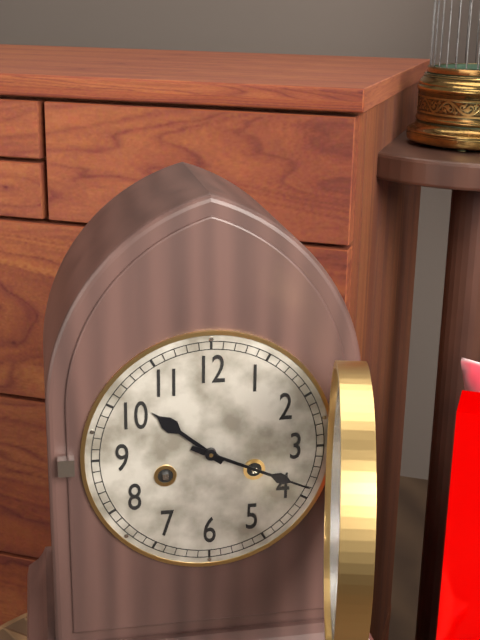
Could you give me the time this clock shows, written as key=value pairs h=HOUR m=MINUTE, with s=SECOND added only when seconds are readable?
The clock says h=10 m=19
